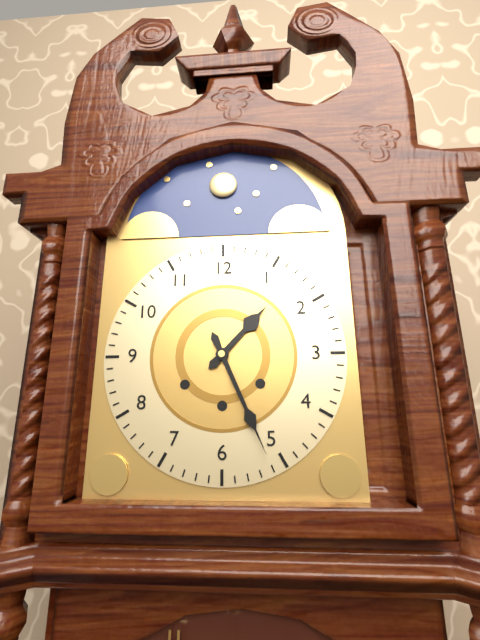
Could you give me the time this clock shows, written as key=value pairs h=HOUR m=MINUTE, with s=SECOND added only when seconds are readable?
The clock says h=1 m=26
